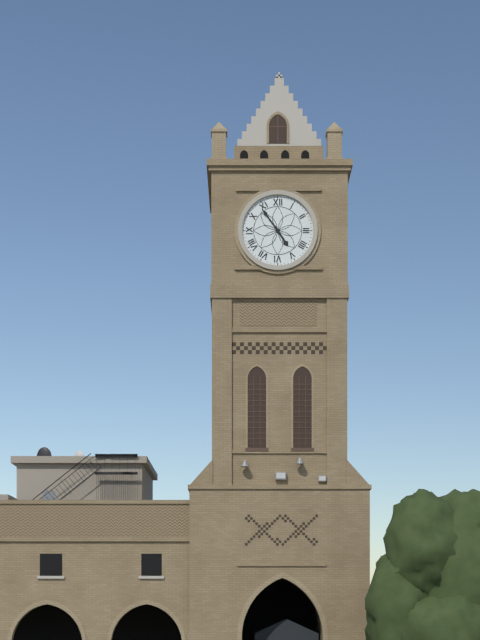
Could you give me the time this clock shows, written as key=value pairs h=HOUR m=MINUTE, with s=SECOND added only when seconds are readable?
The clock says h=4 m=54
